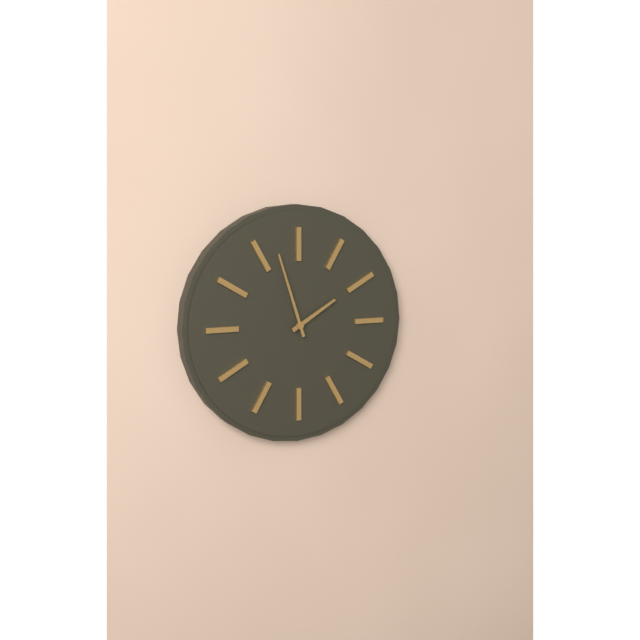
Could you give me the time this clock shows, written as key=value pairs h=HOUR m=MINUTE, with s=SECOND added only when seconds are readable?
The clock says h=1 m=57
